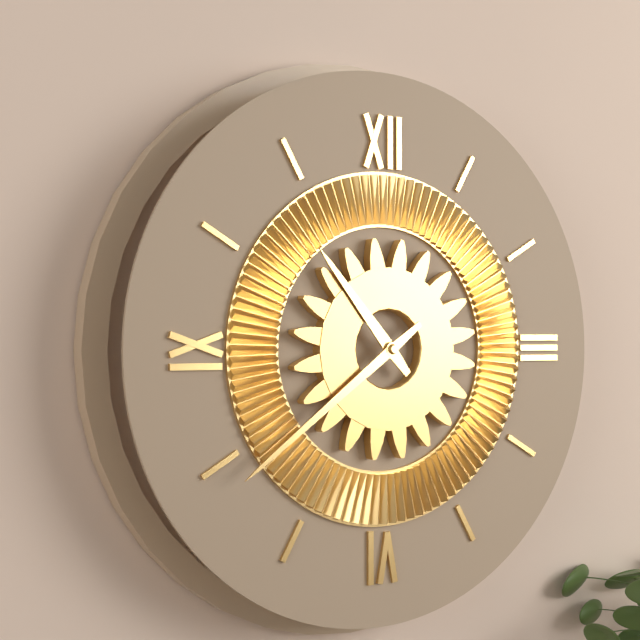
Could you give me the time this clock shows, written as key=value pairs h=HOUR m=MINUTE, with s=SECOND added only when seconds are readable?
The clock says h=10 m=39
